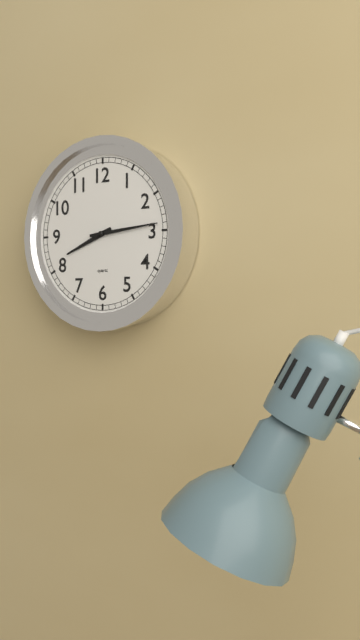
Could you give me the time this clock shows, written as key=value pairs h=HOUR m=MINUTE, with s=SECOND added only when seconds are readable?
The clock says h=8 m=14
